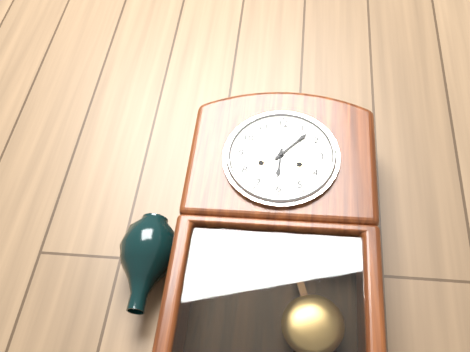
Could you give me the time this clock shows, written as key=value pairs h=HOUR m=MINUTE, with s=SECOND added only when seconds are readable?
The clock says h=6 m=7
